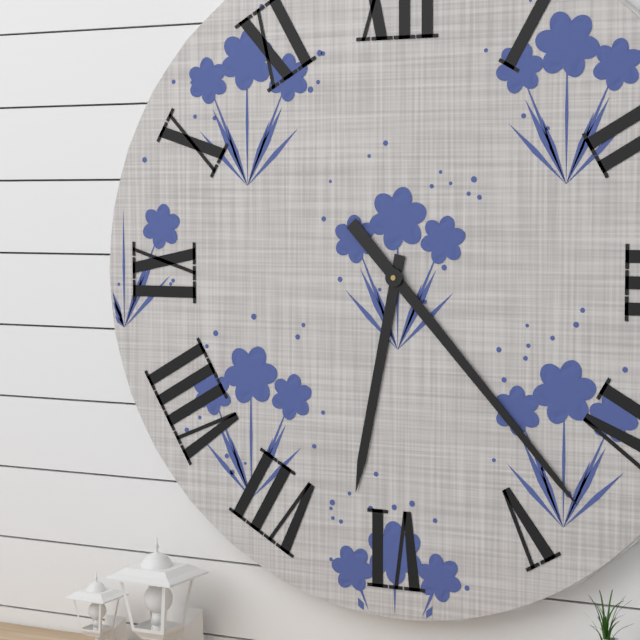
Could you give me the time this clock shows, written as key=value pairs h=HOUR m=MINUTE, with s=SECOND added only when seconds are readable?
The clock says h=6 m=23
